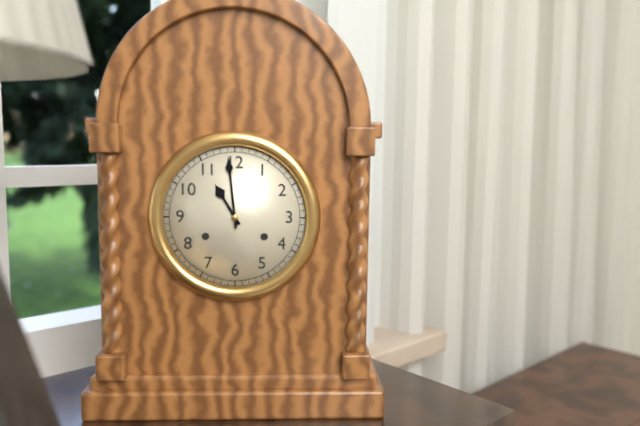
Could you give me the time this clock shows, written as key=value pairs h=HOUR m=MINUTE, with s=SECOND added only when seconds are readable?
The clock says h=10 m=59
